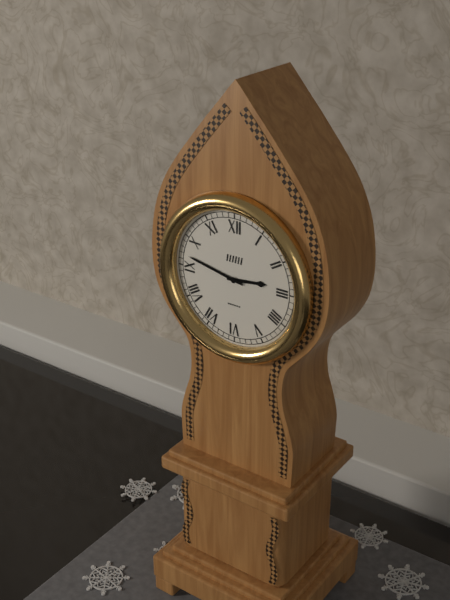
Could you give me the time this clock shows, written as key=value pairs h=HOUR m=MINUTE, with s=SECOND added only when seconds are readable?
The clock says h=2 m=47
